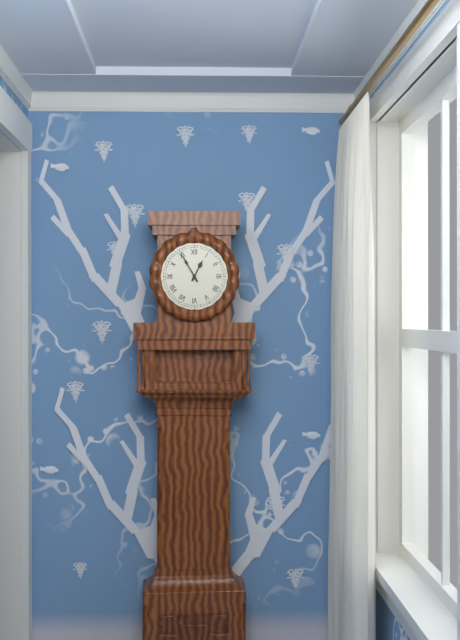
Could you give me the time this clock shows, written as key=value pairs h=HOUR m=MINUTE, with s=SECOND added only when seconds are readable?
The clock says h=12 m=55
